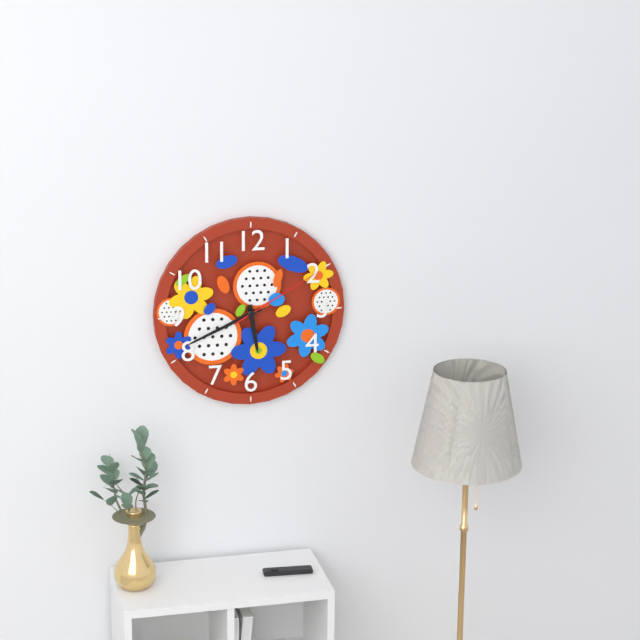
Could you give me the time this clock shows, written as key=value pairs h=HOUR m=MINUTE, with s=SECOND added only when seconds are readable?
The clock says h=5 m=41 s=10
